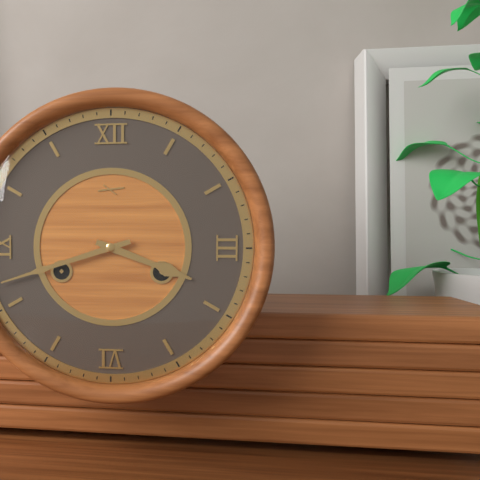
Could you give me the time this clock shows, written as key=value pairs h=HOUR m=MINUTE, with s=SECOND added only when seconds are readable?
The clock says h=3 m=42
